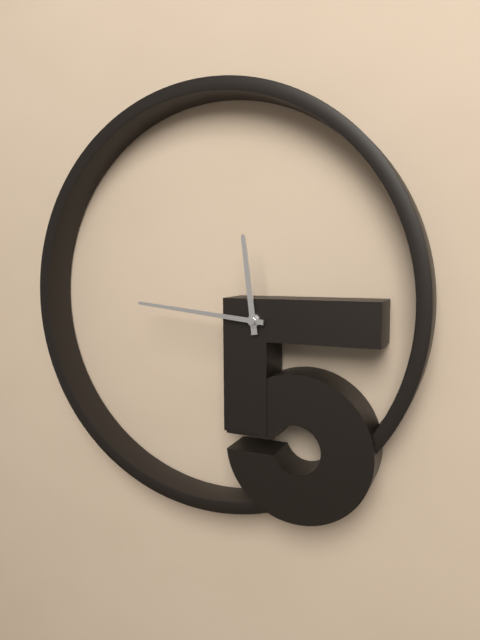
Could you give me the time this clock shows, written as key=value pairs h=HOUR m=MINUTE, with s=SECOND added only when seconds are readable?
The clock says h=11 m=46
